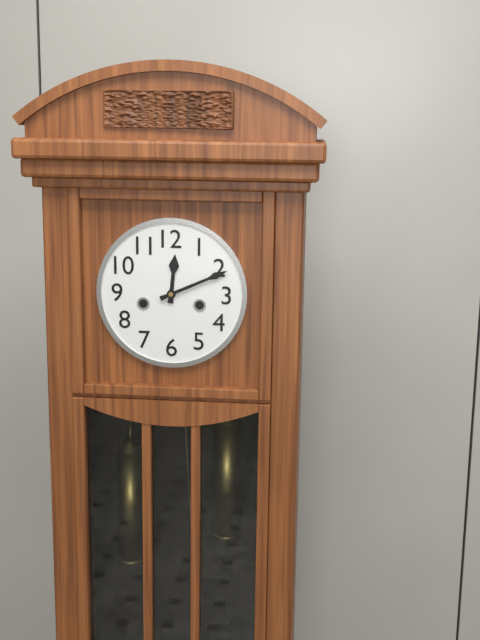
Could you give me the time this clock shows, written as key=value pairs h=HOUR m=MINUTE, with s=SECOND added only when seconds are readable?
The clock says h=12 m=11
